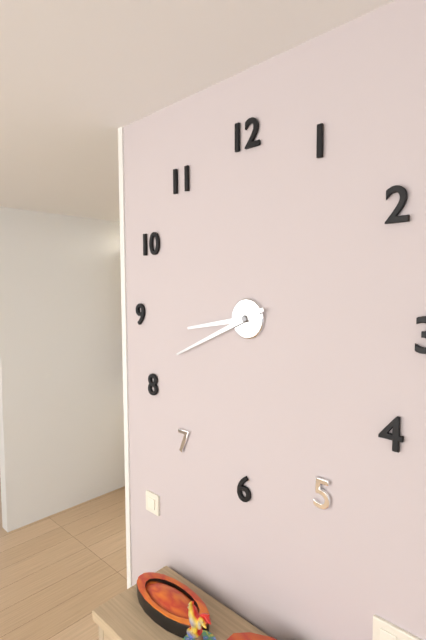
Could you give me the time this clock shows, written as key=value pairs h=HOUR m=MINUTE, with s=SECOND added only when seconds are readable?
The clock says h=8 m=41
